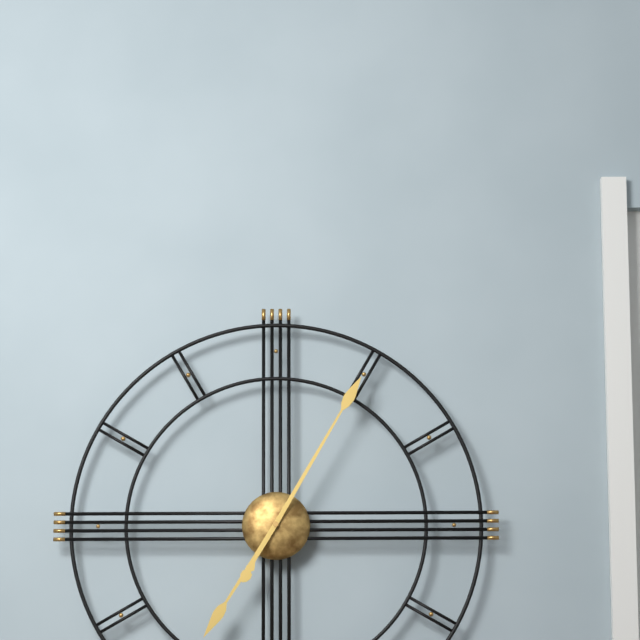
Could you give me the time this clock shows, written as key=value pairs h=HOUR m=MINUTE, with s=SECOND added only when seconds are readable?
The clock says h=7 m=5
